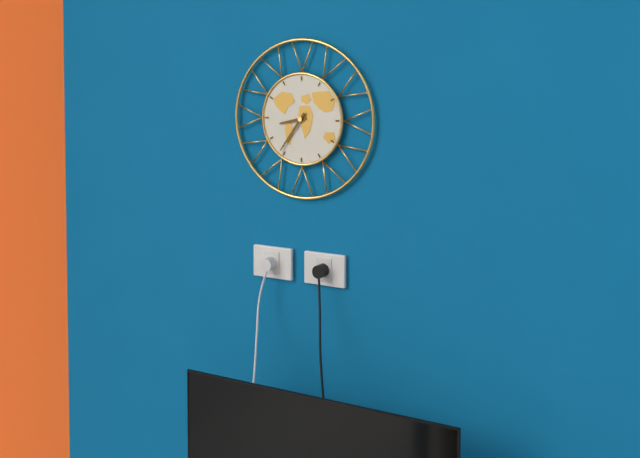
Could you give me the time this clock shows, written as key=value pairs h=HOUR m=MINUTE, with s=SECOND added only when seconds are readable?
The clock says h=8 m=36
